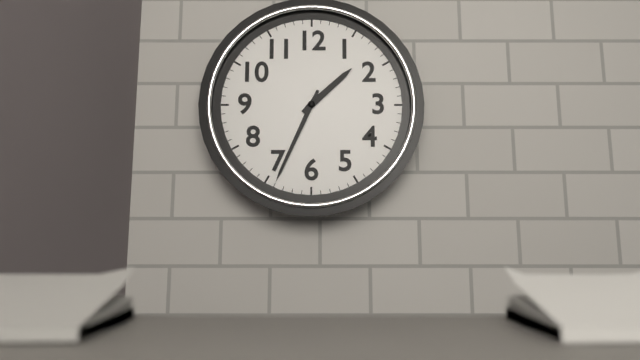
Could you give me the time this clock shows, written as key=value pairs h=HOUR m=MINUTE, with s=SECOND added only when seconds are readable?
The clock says h=1 m=34
